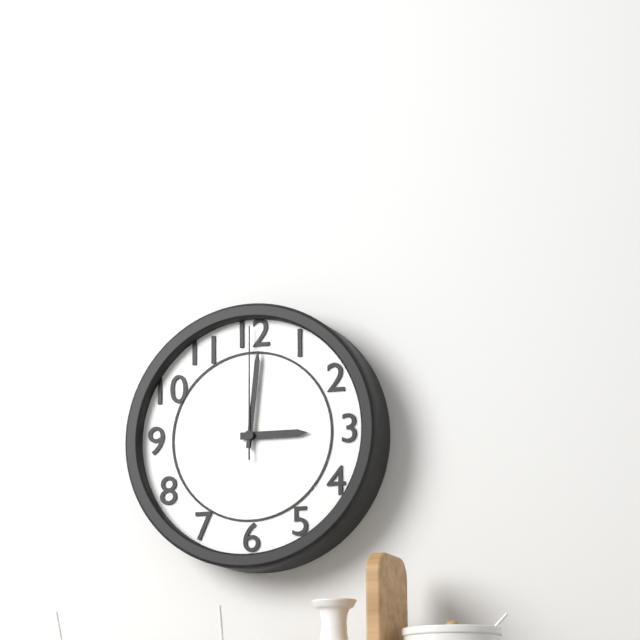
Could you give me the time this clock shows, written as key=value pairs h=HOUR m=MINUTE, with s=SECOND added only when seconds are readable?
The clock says h=3 m=1 s=0
